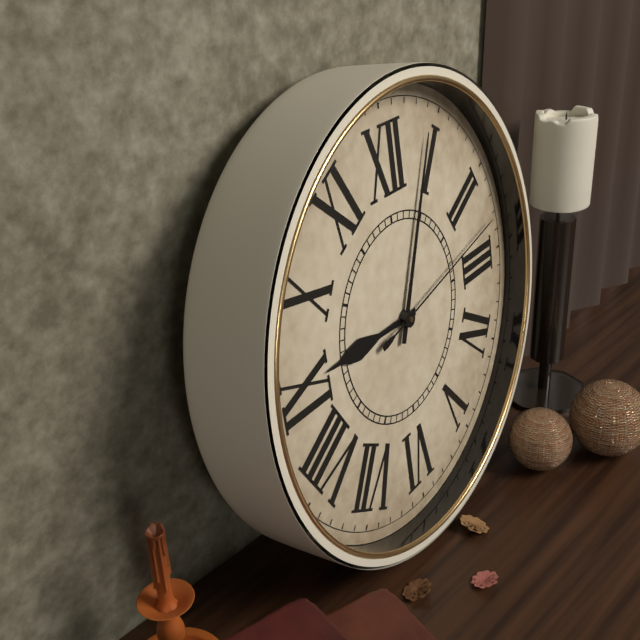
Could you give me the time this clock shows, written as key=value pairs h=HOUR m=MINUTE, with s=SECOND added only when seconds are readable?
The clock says h=9 m=4 s=13
